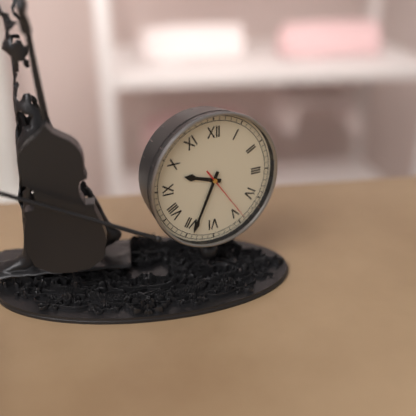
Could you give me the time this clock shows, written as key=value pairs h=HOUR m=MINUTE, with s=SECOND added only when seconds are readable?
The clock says h=9 m=34 s=24
